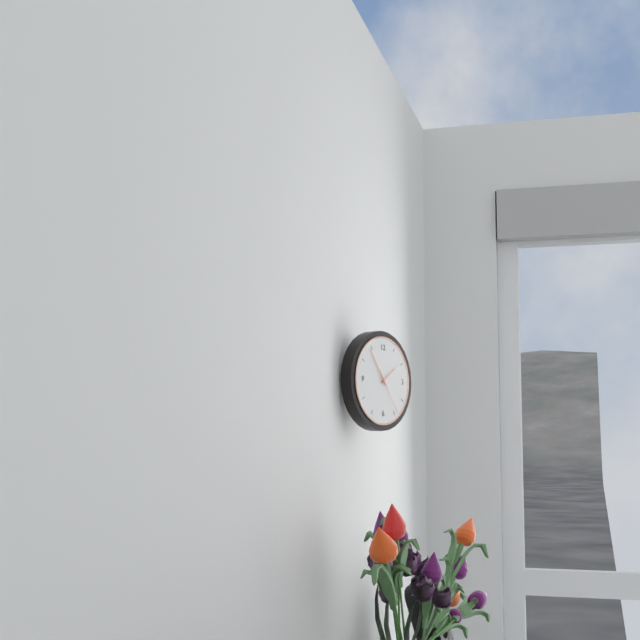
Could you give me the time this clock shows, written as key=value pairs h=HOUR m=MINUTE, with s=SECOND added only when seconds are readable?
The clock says h=1 m=54
